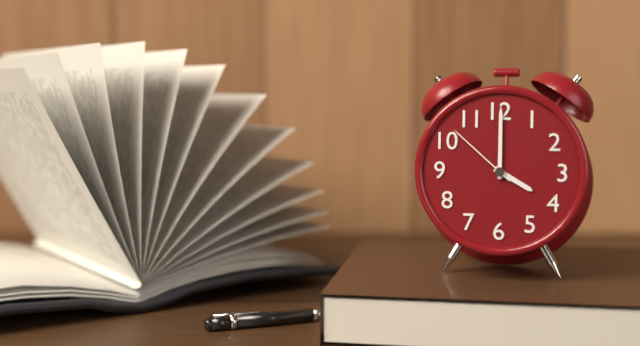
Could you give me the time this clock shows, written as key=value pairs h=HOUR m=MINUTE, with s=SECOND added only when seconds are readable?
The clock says h=4 m=0 s=52
